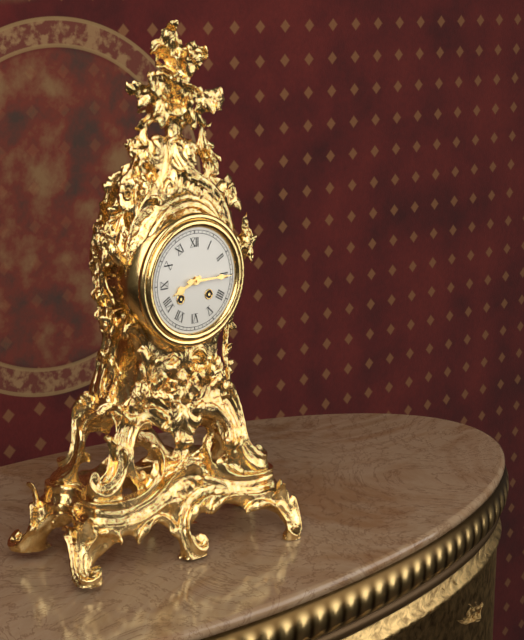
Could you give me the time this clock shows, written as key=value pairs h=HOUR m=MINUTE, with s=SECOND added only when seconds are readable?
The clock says h=8 m=15
